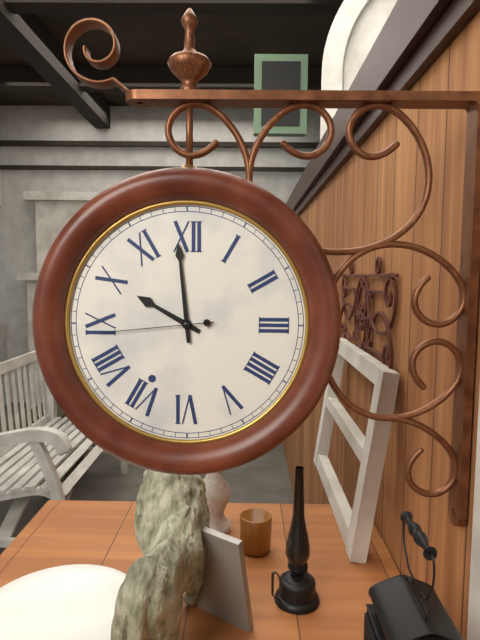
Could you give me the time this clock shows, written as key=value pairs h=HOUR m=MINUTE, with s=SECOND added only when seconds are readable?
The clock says h=9 m=59 s=44
